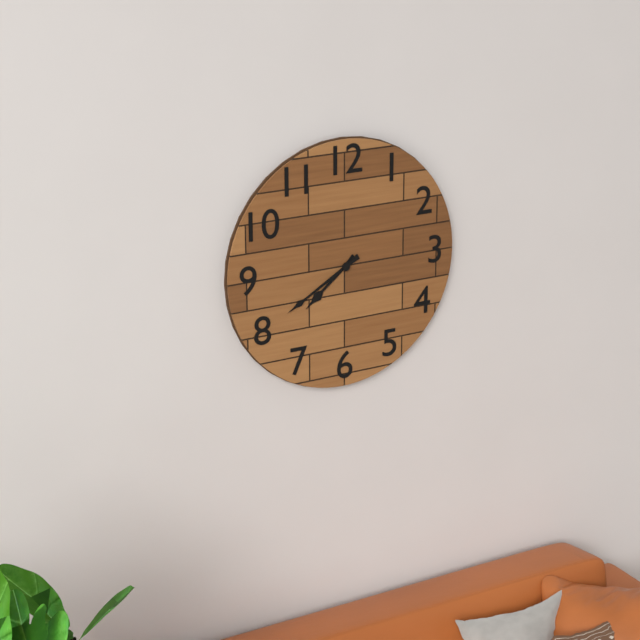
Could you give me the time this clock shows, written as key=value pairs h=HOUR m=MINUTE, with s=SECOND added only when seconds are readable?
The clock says h=7 m=40
